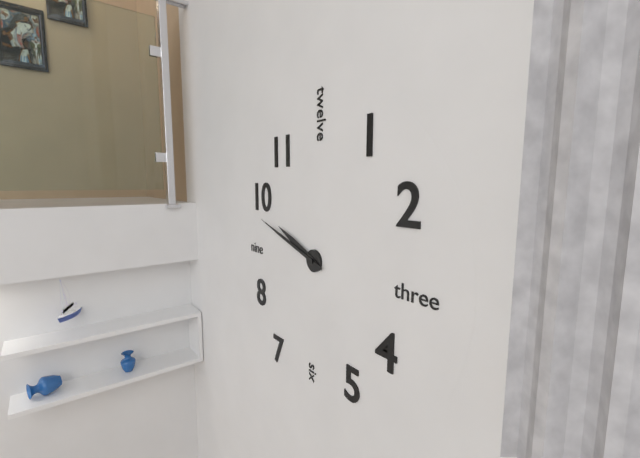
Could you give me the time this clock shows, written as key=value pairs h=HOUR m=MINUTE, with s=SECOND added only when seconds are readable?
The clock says h=9 m=48
